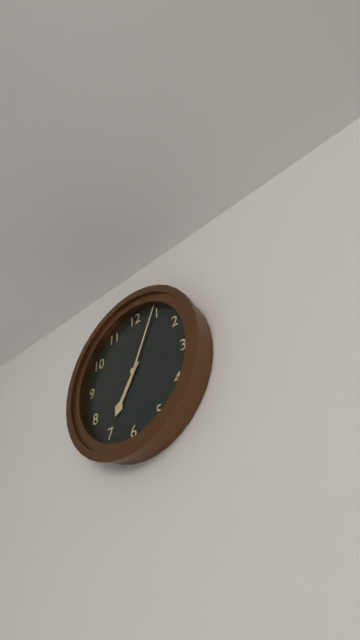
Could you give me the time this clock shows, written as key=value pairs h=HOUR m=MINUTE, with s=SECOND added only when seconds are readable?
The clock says h=7 m=4
